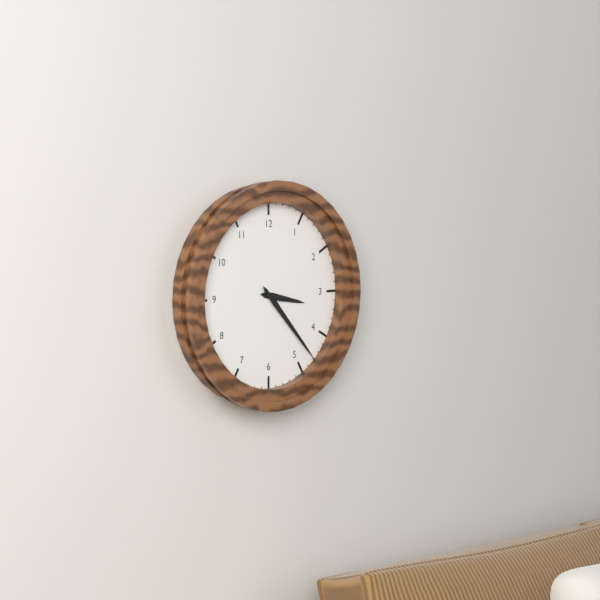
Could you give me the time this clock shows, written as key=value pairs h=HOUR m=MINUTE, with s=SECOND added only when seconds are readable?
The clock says h=3 m=23
